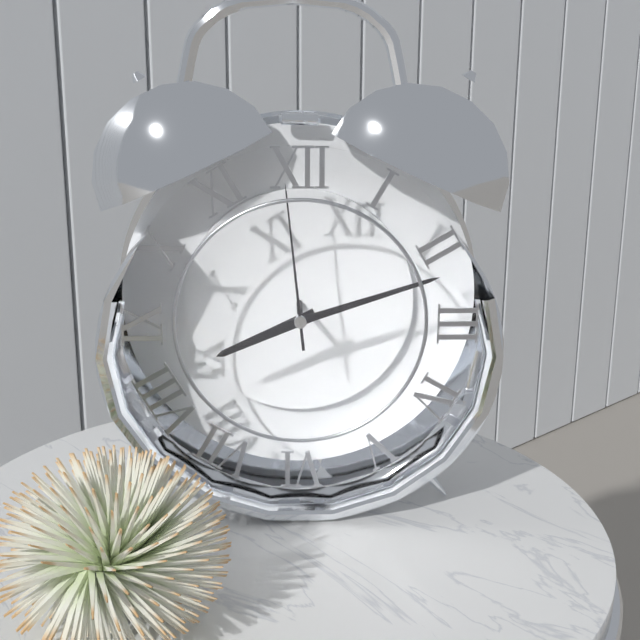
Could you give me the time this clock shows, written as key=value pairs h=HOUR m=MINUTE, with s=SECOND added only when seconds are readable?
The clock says h=8 m=12 s=59
